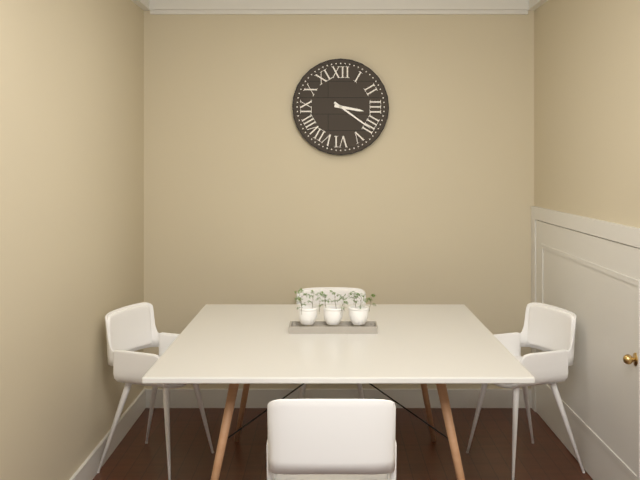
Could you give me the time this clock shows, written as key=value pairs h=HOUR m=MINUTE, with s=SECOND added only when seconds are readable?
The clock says h=3 m=21
